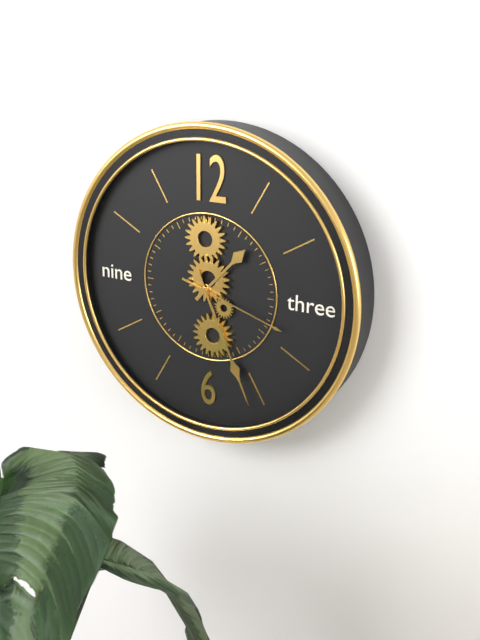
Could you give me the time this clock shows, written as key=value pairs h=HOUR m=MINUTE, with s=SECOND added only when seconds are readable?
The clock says h=1 m=26 s=18
